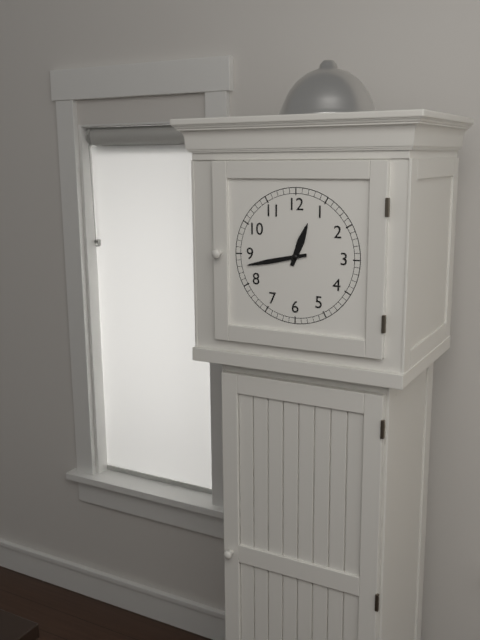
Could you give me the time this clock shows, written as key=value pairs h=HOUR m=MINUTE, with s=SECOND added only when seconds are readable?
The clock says h=12 m=43
